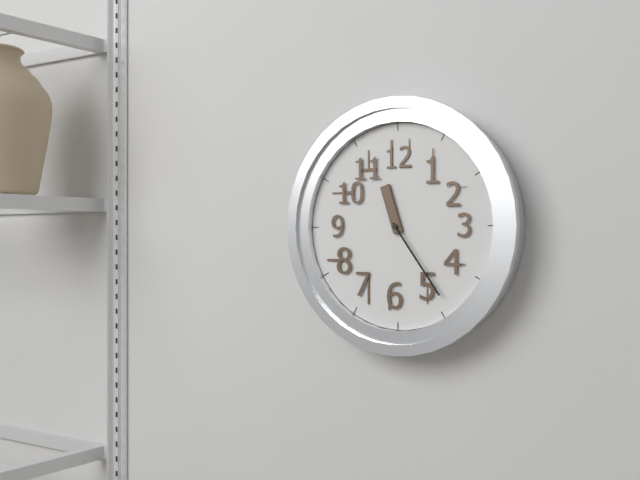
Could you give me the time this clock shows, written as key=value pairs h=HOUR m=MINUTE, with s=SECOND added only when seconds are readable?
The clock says h=11 m=24
